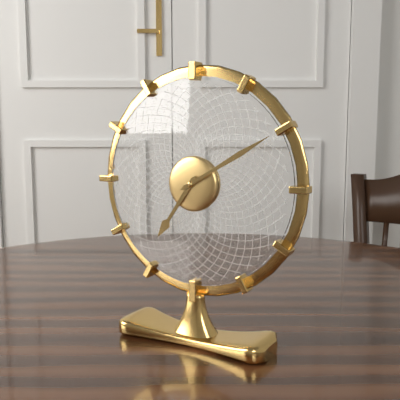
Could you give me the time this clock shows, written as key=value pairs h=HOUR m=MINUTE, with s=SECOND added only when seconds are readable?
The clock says h=7 m=10
